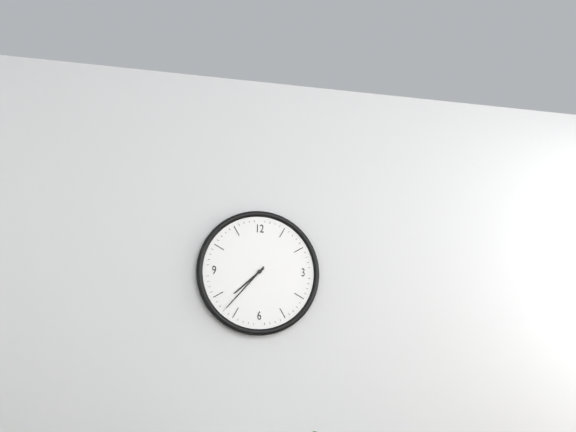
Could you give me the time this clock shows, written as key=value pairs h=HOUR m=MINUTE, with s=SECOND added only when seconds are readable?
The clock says h=7 m=37
